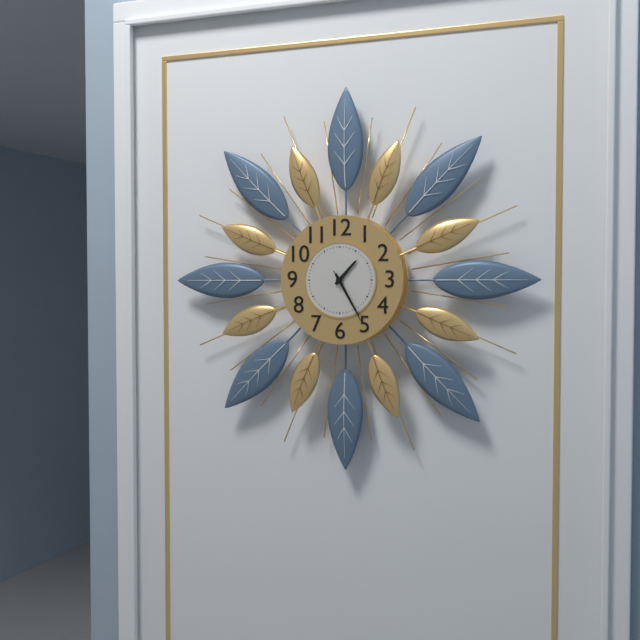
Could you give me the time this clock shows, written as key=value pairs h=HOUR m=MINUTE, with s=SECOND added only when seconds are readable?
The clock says h=1 m=25 s=25
